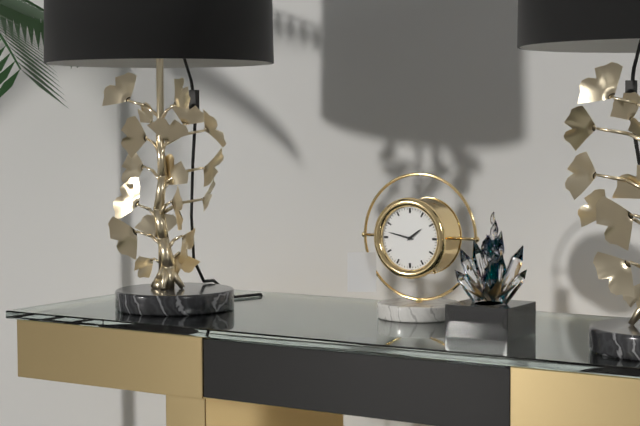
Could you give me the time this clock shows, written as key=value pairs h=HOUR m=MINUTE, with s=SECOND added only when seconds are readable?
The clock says h=1 m=47
